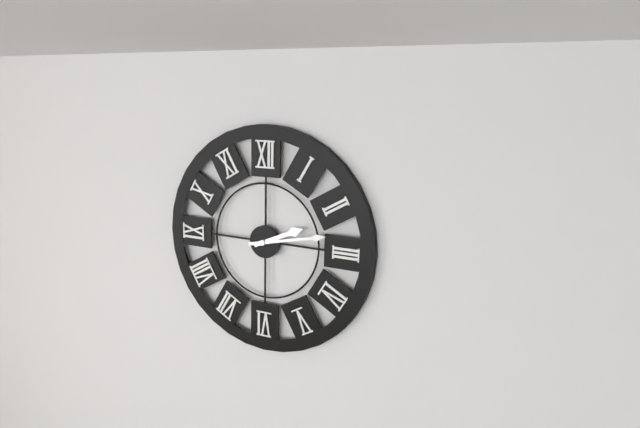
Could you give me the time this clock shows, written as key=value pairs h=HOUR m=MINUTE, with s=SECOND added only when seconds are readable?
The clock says h=2 m=13
